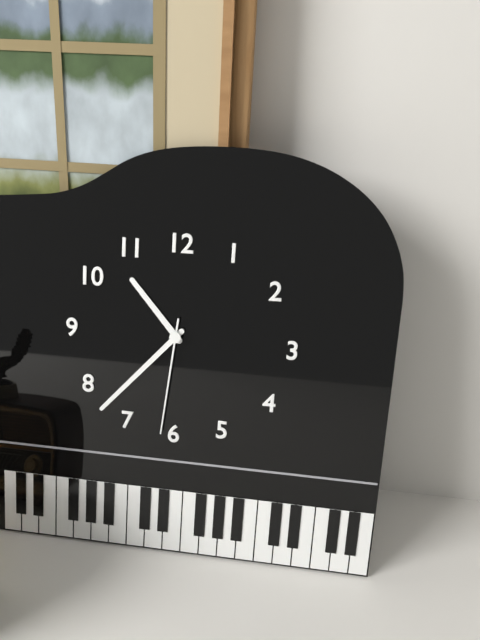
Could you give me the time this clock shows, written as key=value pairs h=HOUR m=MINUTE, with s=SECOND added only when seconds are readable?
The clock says h=10 m=37 s=31
